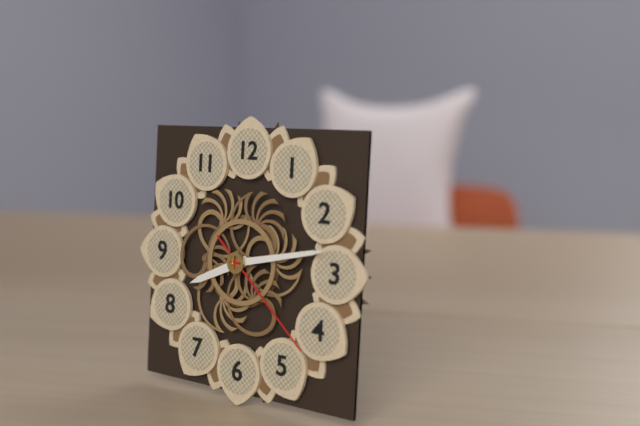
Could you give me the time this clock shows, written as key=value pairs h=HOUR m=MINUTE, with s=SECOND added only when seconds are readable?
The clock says h=8 m=13 s=22
